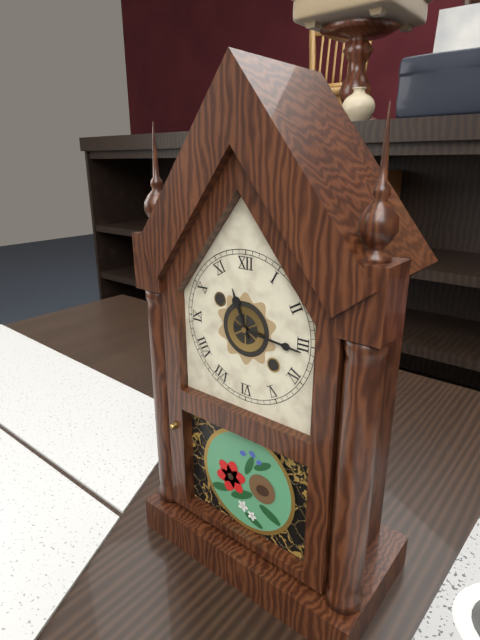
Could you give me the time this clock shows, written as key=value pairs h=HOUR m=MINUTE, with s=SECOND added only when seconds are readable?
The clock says h=11 m=16
